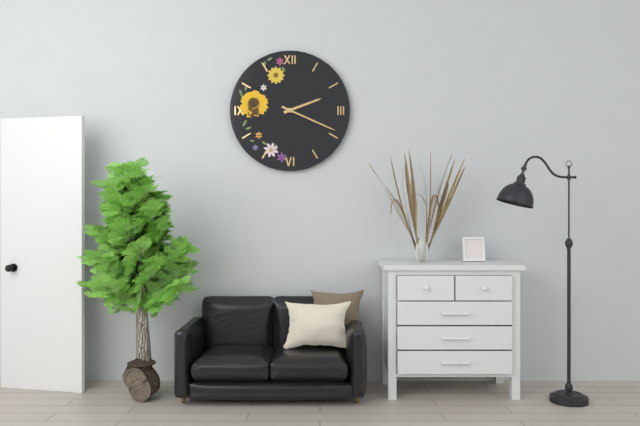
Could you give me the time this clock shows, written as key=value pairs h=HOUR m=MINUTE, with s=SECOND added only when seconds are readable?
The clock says h=2 m=19
